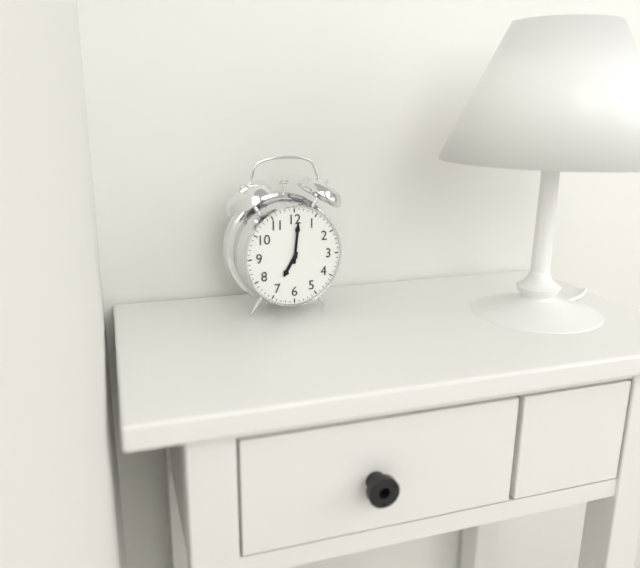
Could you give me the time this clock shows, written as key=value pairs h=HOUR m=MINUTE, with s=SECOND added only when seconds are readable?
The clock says h=7 m=1
